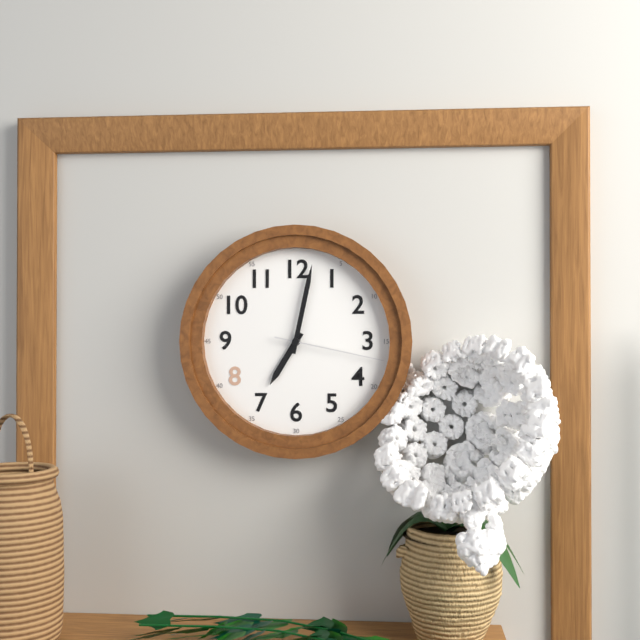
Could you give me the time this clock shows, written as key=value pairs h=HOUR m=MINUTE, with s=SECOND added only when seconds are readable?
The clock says h=7 m=2 s=17
